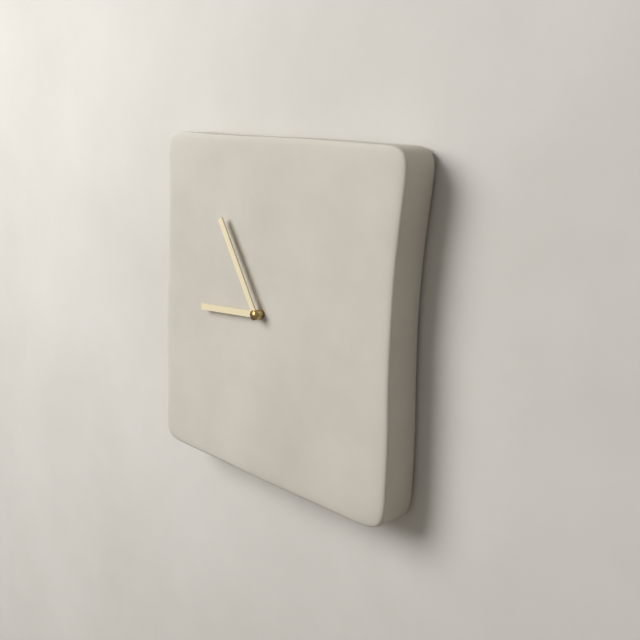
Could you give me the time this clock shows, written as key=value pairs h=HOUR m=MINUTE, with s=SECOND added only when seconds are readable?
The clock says h=8 m=55
